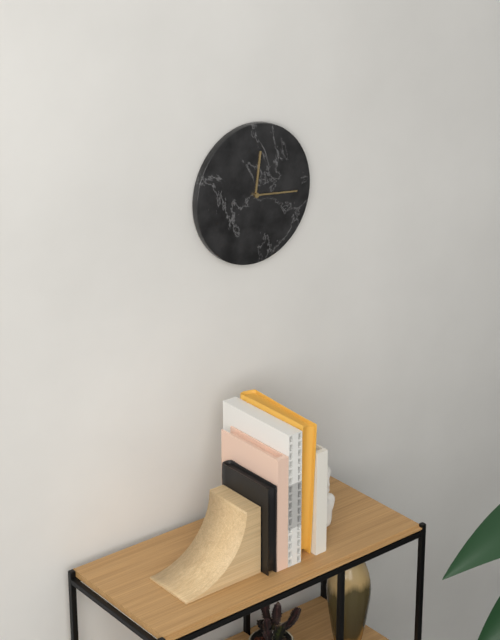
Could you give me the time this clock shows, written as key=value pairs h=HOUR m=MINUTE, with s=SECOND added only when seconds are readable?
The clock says h=12 m=16
